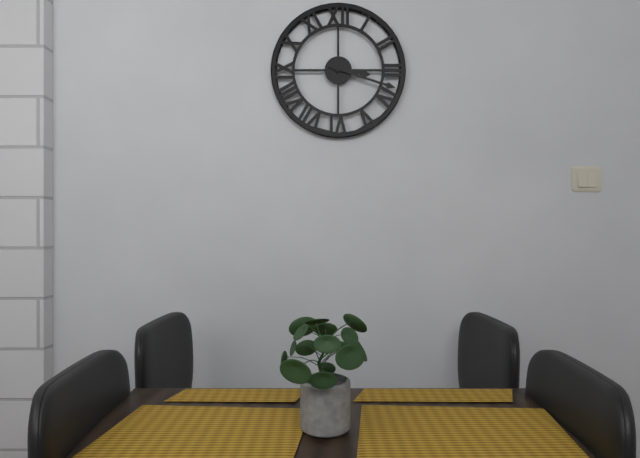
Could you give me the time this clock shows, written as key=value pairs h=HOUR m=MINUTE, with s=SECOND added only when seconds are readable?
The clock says h=3 m=18
